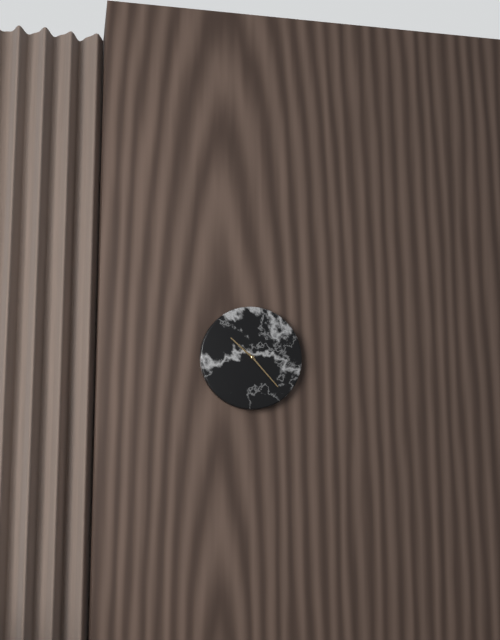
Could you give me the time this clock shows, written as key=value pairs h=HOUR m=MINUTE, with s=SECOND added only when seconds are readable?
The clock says h=10 m=23
